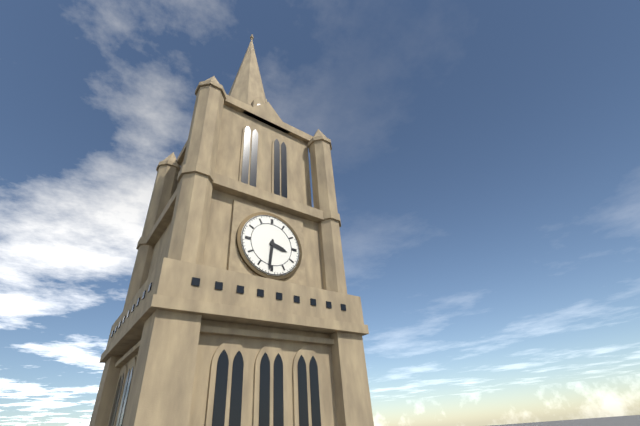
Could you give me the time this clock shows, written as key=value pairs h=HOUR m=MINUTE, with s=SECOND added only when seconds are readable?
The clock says h=3 m=31
